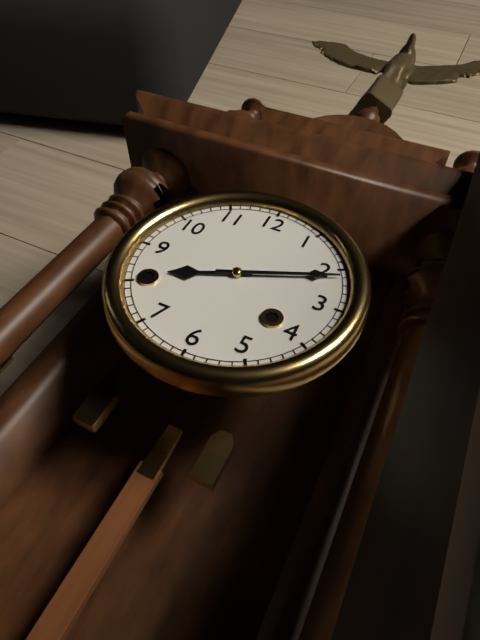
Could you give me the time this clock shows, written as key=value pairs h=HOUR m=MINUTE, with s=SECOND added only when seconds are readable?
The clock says h=8 m=11
